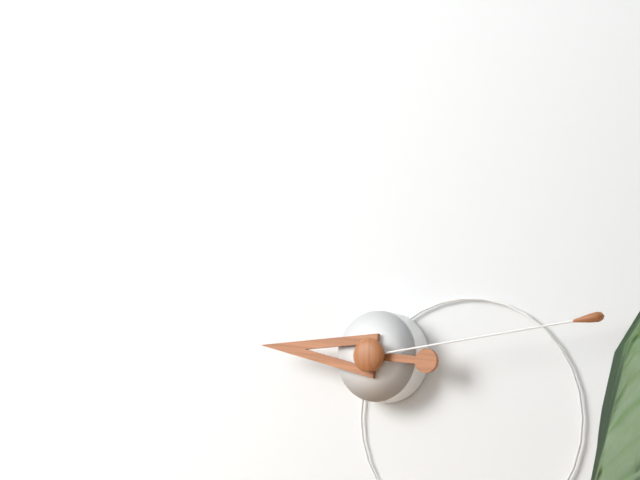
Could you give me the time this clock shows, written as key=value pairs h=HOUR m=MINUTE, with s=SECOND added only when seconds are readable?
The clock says h=9 m=14
